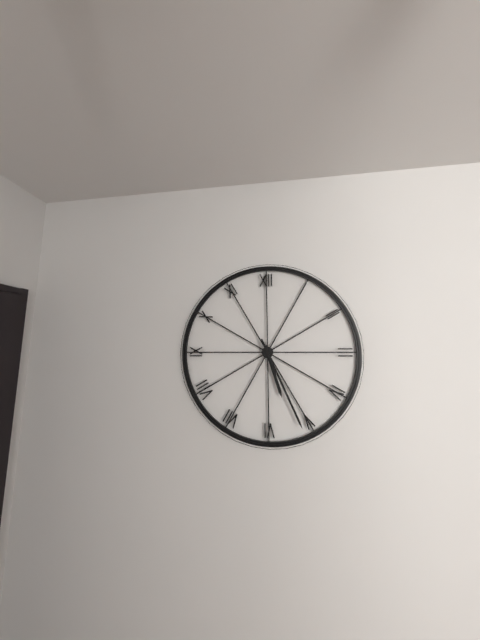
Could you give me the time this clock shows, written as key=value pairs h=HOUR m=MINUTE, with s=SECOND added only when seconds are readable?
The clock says h=5 m=26
